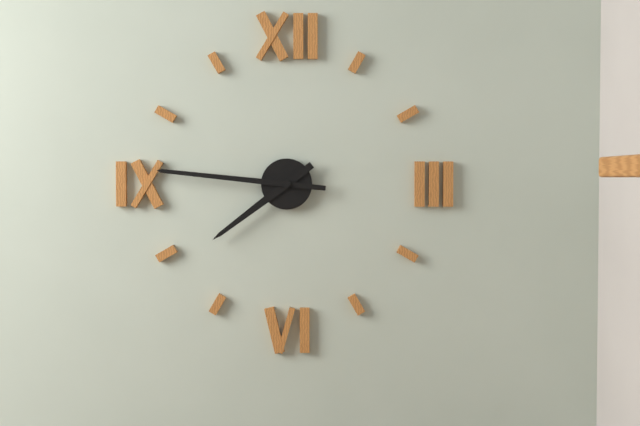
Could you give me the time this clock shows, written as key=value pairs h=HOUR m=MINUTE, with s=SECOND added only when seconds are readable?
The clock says h=7 m=46
